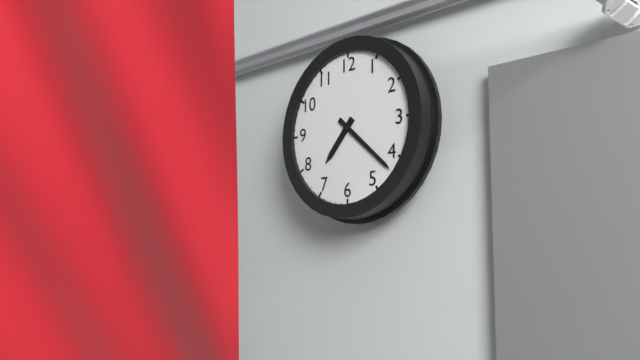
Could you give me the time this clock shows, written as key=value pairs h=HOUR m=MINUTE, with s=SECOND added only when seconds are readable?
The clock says h=7 m=22
